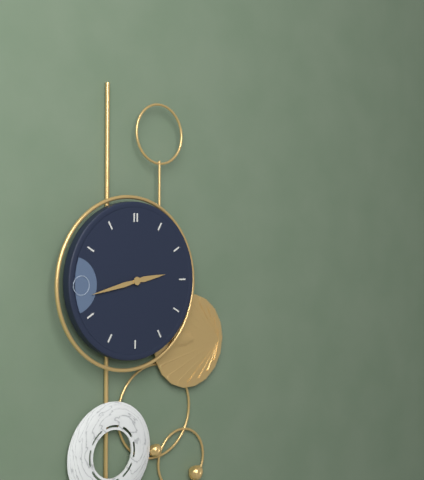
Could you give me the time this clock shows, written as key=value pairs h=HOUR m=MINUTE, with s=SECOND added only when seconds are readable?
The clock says h=2 m=43
